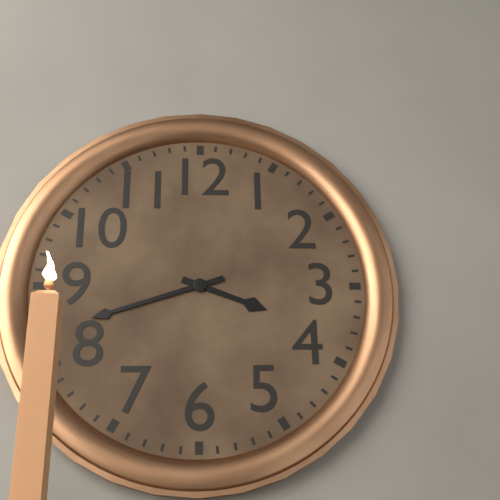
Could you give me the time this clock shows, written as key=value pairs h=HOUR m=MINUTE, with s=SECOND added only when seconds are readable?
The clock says h=3 m=42
